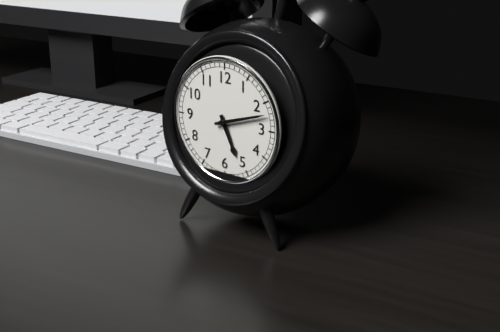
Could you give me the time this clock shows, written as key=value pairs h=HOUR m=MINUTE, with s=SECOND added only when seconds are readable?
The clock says h=5 m=12
